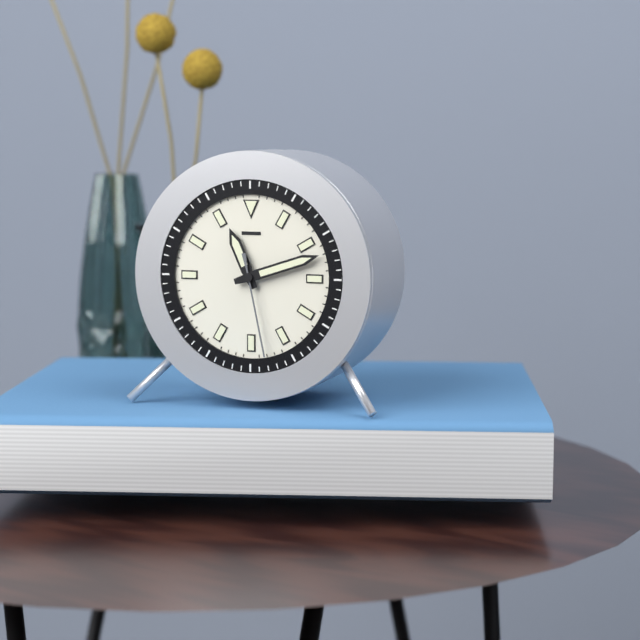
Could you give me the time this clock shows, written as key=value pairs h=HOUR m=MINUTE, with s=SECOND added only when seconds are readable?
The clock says h=11 m=12 s=28
